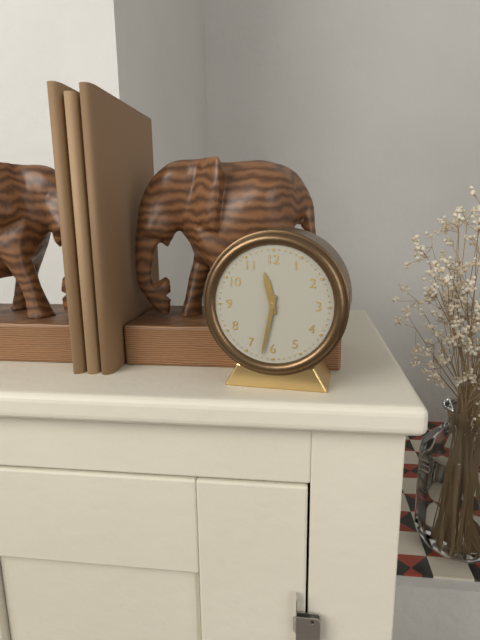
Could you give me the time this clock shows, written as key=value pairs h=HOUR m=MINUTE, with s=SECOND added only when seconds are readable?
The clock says h=11 m=32
